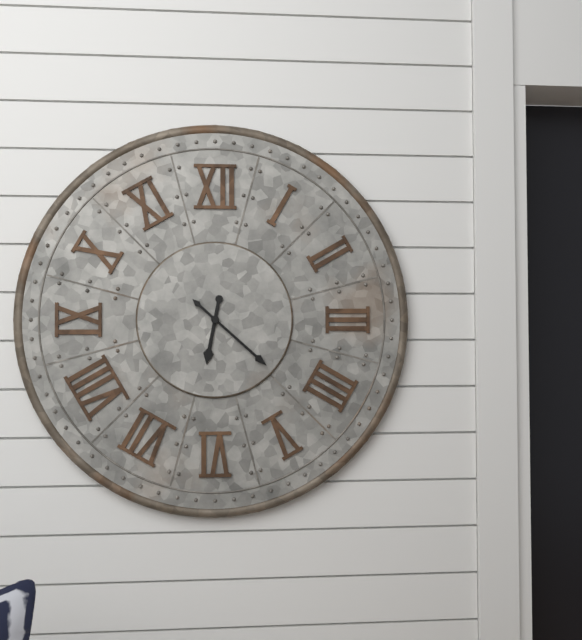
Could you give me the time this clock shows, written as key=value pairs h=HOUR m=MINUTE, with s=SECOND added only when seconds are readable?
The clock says h=6 m=22
